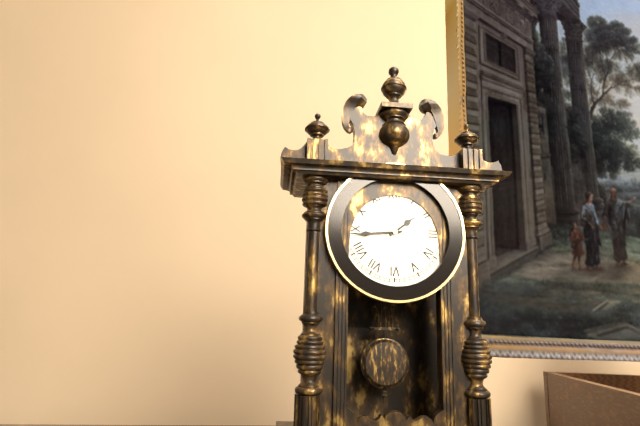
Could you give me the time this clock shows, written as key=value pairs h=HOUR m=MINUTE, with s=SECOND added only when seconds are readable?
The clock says h=1 m=44
